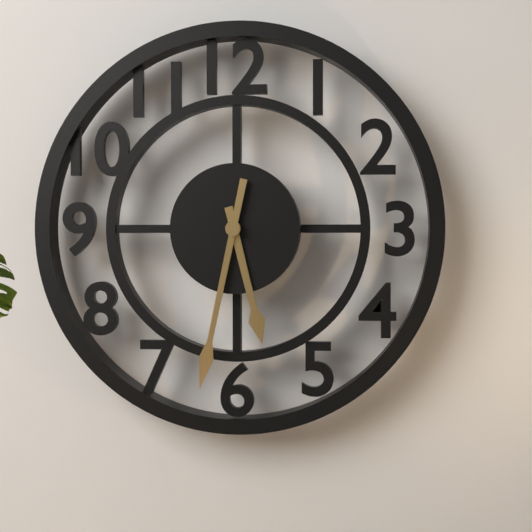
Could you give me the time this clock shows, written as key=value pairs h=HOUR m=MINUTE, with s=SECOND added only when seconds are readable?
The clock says h=5 m=32
